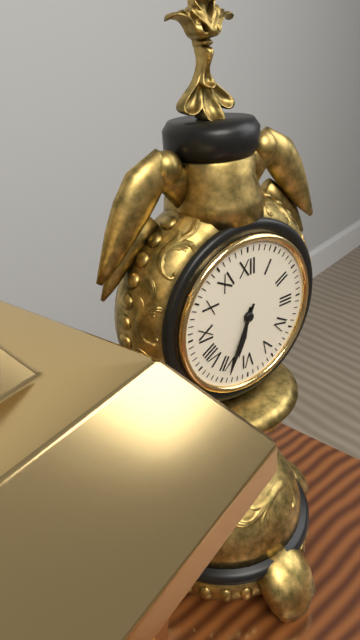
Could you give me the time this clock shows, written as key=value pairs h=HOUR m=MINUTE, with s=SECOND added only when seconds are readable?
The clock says h=6 m=34
